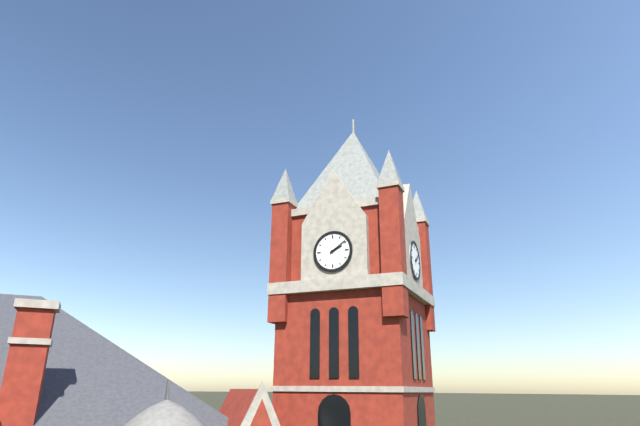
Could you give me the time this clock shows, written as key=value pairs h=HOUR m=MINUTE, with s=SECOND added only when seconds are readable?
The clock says h=2 m=9
